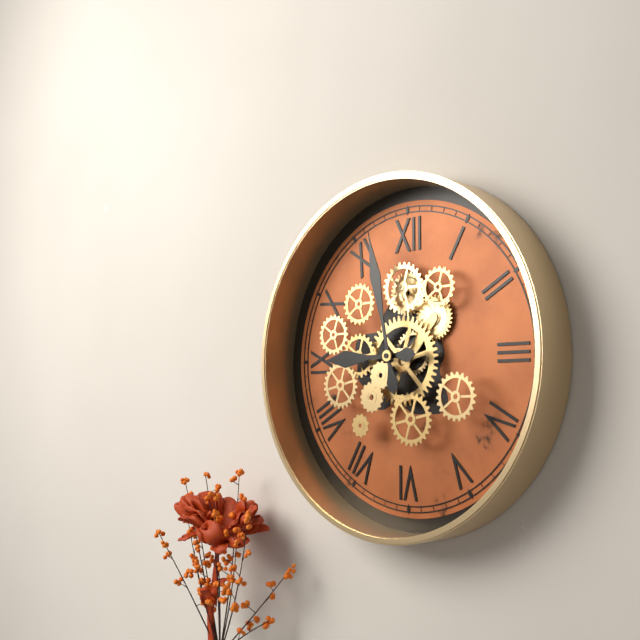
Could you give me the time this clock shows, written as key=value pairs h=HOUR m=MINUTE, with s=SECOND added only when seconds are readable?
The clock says h=8 m=58
